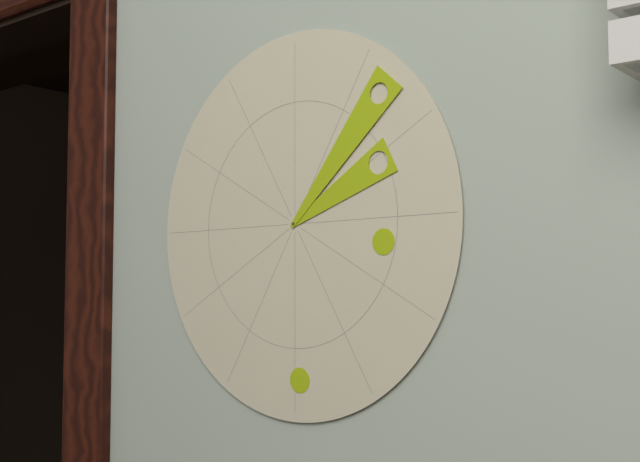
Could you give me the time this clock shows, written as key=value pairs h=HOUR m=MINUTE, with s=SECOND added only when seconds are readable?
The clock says h=2 m=7
